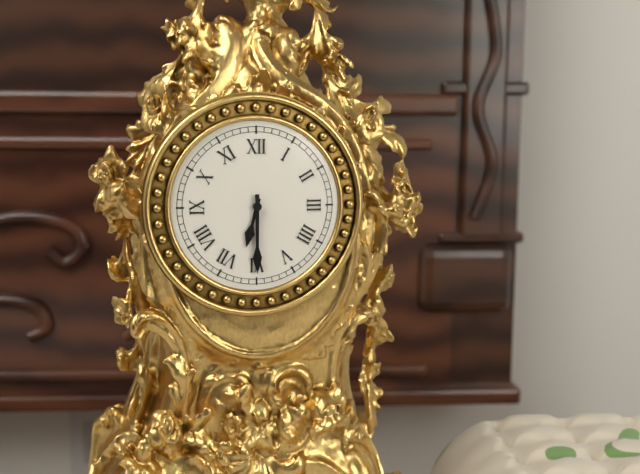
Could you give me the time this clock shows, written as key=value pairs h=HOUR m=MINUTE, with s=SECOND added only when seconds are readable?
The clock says h=6 m=30
